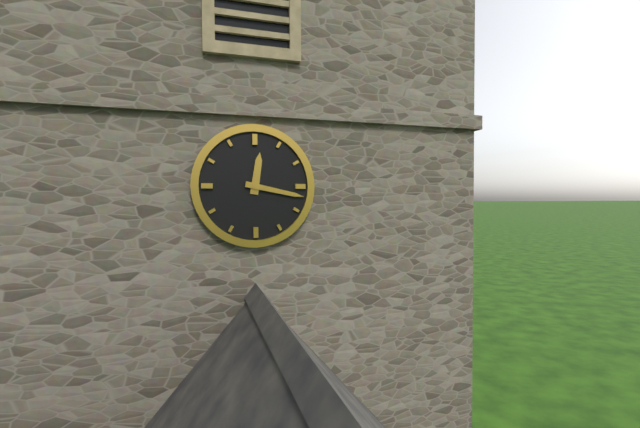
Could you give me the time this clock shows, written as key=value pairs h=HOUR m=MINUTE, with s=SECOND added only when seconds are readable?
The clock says h=12 m=17
